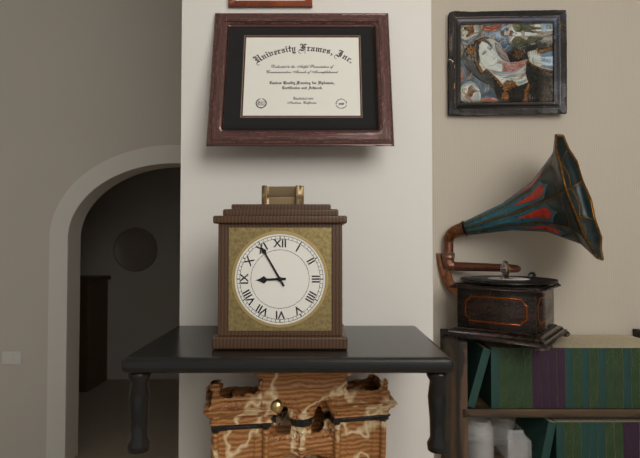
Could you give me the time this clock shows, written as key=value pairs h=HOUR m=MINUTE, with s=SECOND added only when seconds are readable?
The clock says h=8 m=55
